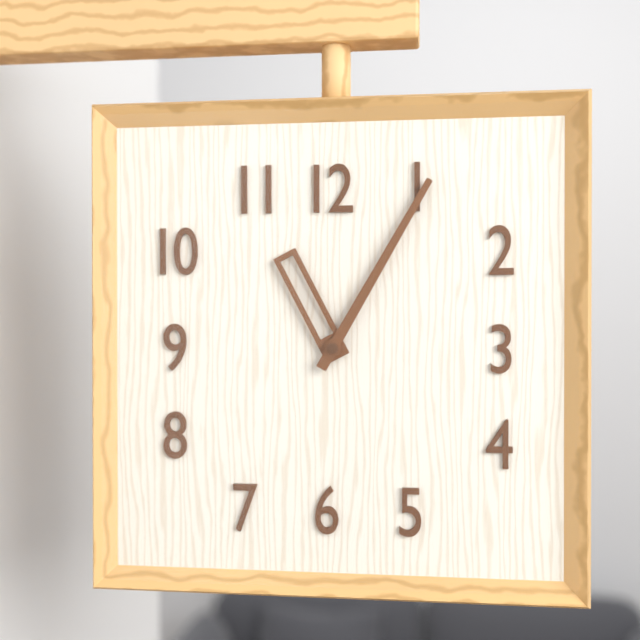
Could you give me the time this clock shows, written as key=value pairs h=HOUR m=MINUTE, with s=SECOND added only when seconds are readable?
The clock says h=11 m=5
